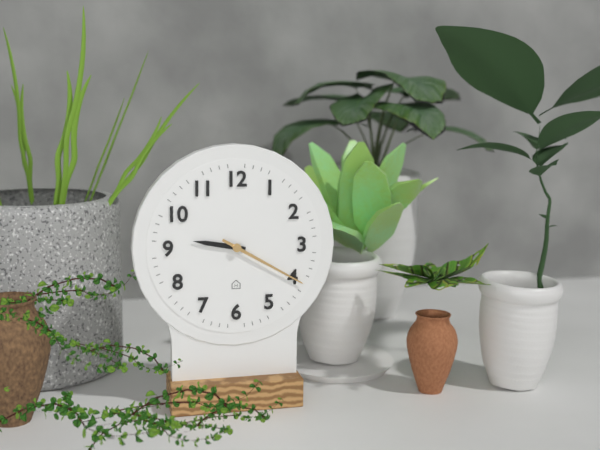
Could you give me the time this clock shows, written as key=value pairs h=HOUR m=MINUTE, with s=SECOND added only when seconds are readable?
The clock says h=9 m=20
